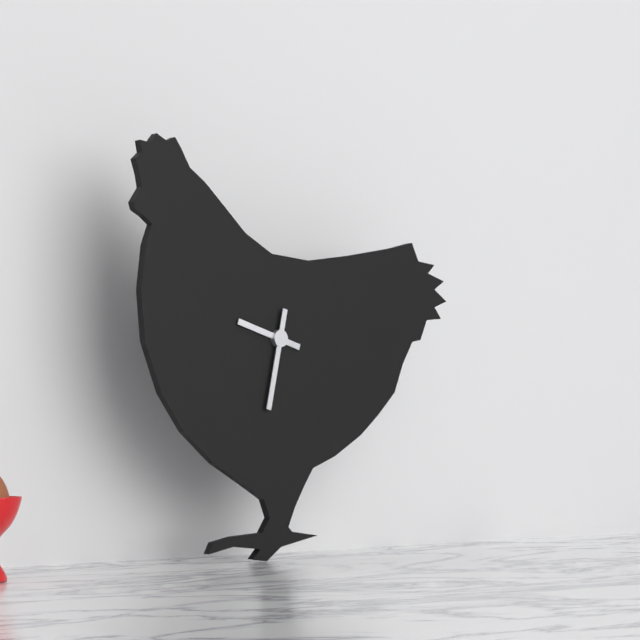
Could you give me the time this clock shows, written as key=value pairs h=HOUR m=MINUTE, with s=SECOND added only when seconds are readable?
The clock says h=9 m=32
